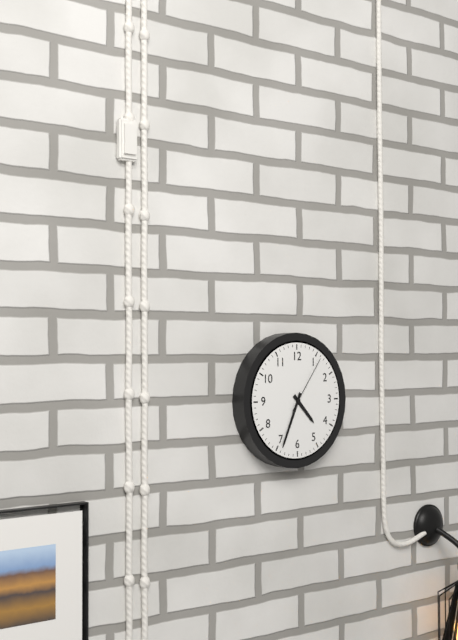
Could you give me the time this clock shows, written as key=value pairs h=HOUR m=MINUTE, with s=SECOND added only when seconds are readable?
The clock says h=4 m=34 s=6
